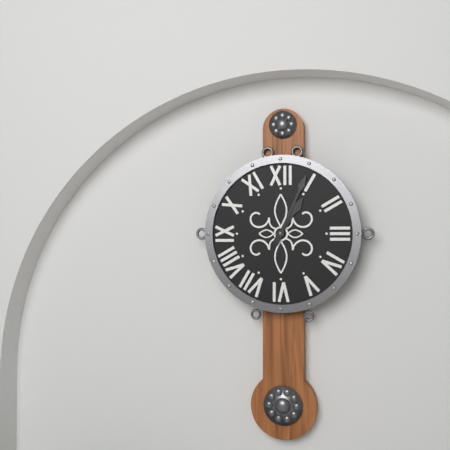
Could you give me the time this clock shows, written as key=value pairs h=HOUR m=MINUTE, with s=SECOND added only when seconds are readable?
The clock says h=1 m=4
